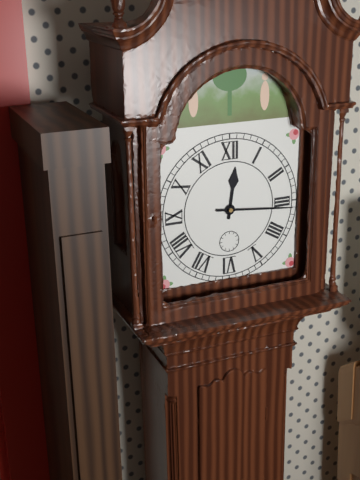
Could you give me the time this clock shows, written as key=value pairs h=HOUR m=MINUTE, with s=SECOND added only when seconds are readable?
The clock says h=12 m=16
